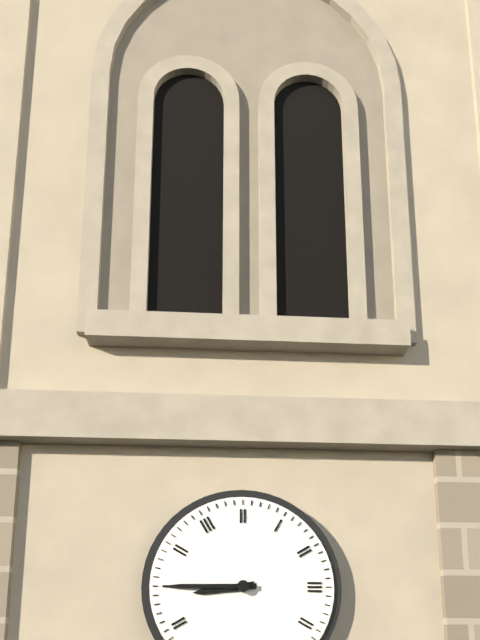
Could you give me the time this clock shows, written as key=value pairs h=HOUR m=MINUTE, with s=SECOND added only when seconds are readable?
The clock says h=8 m=45
